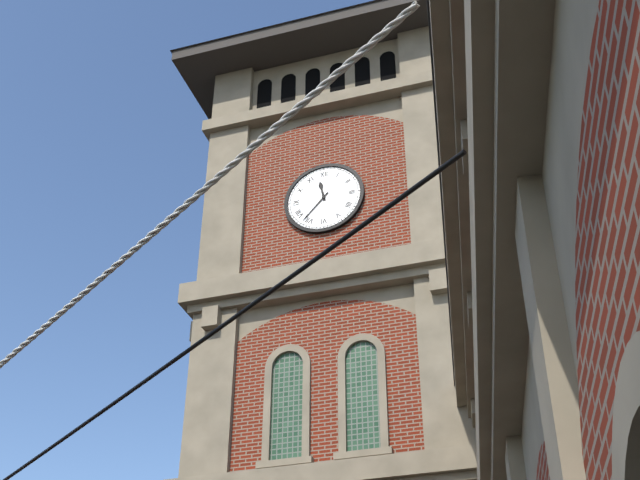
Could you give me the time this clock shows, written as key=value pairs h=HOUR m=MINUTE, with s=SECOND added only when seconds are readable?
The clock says h=11 m=37
